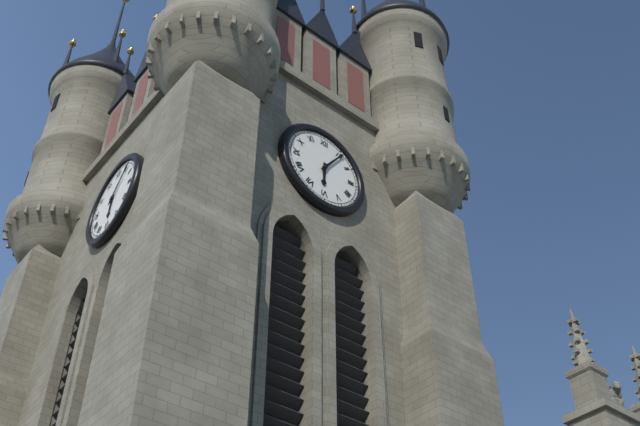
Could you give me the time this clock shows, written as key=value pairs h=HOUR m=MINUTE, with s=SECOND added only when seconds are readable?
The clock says h=6 m=6
